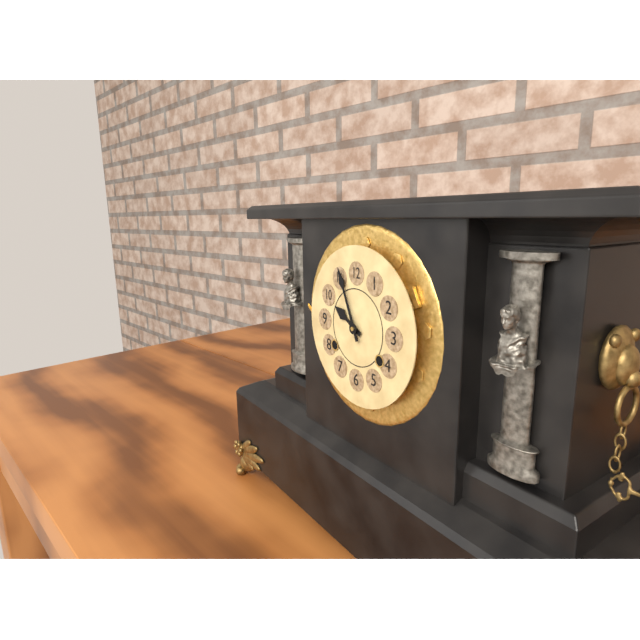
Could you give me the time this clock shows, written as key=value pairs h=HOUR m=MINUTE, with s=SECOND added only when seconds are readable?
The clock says h=9 m=56
